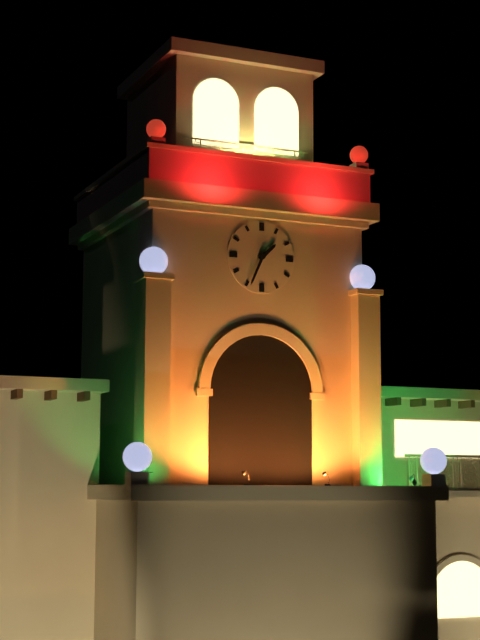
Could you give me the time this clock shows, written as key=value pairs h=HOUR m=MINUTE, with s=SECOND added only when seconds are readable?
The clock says h=1 m=34
